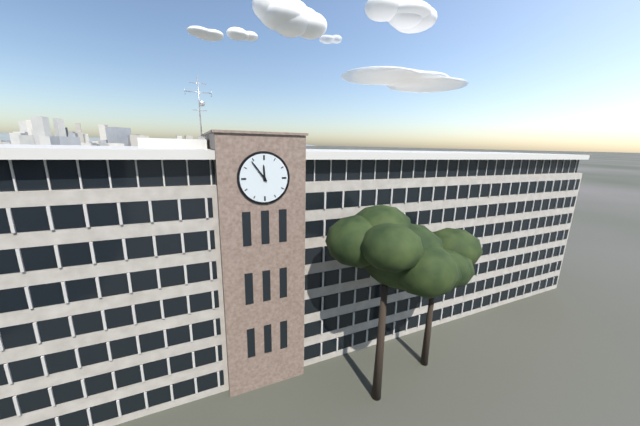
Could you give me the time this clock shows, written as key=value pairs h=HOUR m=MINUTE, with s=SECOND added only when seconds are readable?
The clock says h=11 m=54
